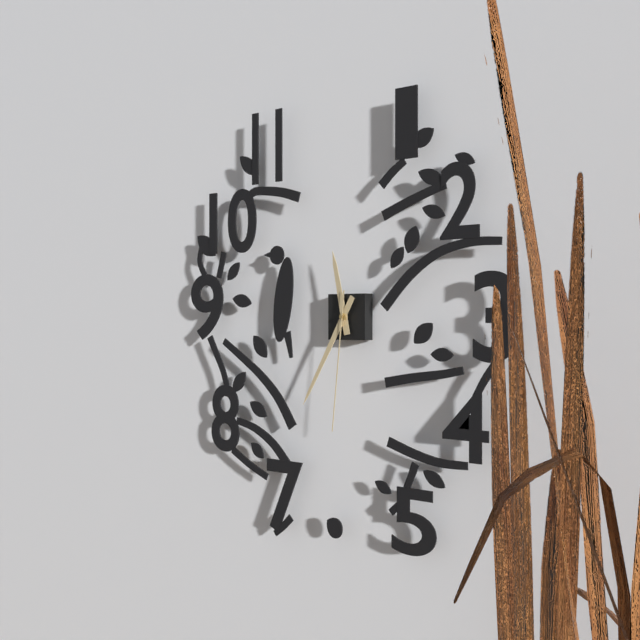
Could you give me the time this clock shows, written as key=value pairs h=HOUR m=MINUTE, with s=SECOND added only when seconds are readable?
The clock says h=11 m=35 s=31
